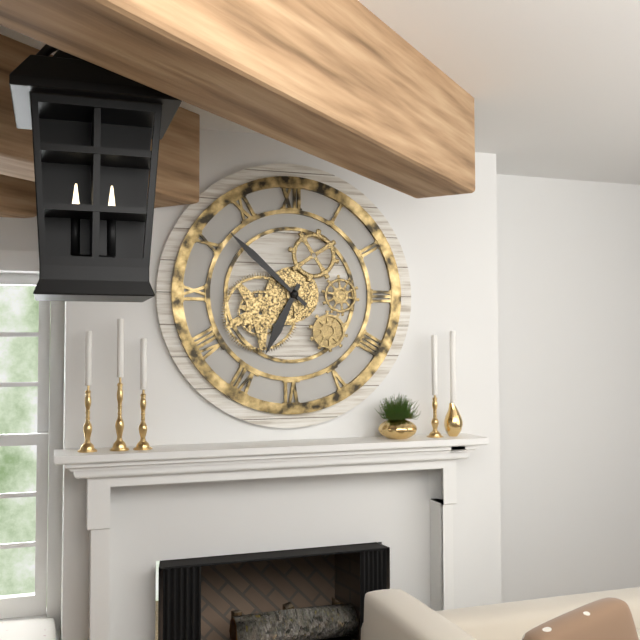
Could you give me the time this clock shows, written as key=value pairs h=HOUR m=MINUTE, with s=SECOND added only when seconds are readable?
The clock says h=6 m=52
